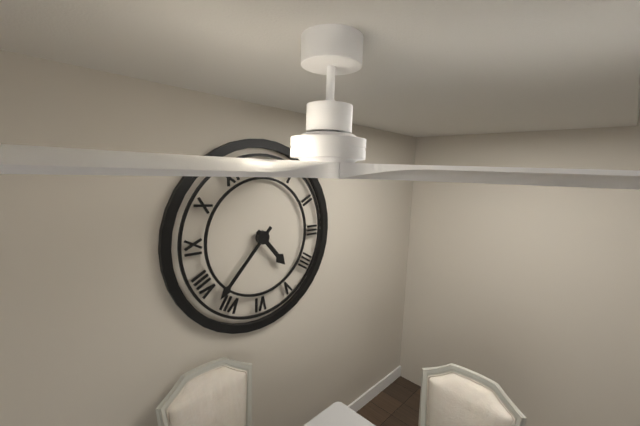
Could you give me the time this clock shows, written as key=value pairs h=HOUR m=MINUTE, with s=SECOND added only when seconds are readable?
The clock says h=4 m=37
